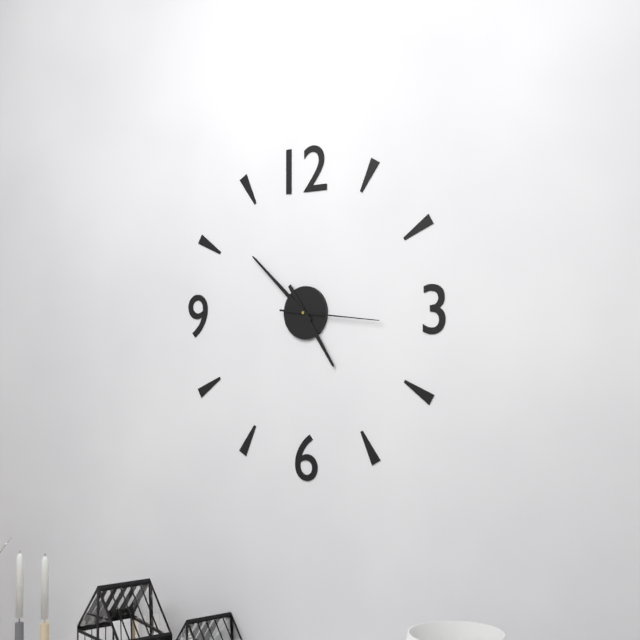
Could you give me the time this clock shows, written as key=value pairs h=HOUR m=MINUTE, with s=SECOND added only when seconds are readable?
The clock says h=4 m=52 s=16
